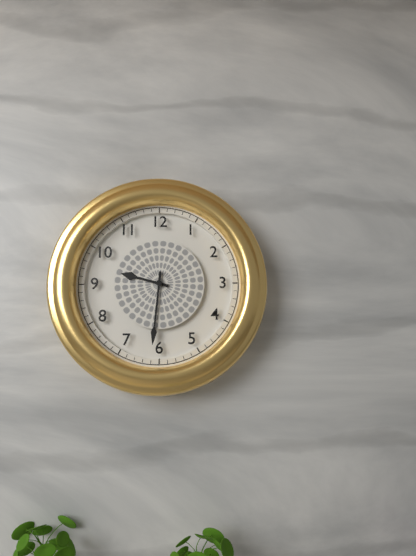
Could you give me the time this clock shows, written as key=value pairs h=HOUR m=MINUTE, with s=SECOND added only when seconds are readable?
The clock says h=9 m=31
